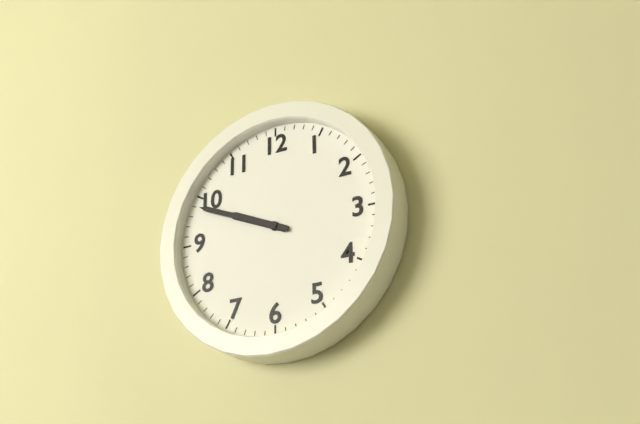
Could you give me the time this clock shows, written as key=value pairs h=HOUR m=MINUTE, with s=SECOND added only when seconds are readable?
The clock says h=9 m=49
